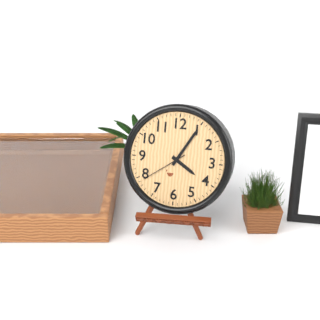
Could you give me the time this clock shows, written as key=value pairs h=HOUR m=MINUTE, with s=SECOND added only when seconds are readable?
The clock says h=4 m=5
